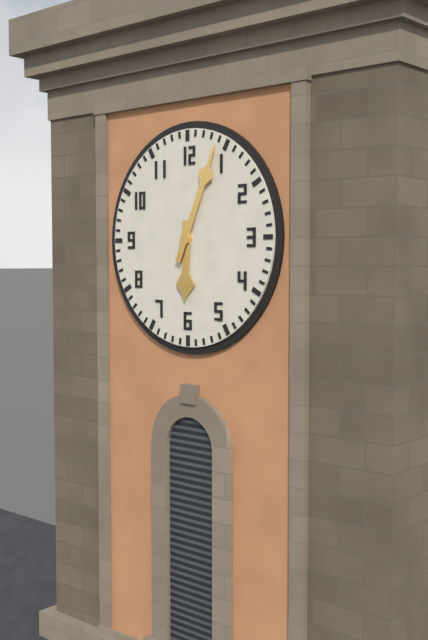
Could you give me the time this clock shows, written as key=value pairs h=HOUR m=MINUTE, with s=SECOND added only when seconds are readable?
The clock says h=6 m=4
